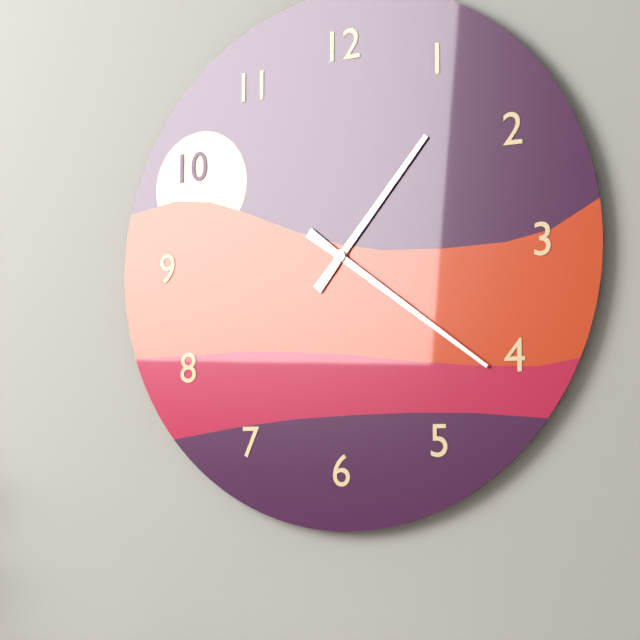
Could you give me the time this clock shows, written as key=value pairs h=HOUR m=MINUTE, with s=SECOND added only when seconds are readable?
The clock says h=1 m=21
